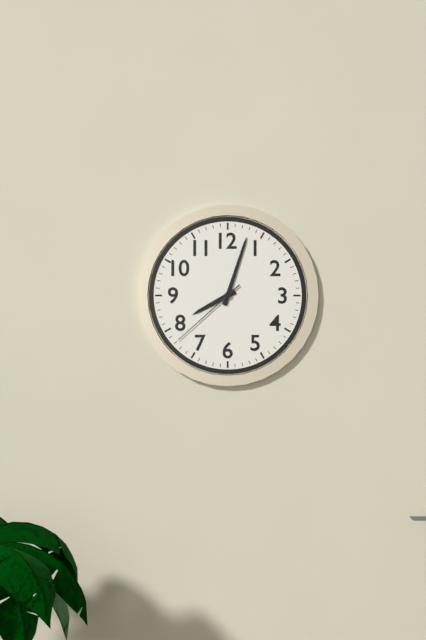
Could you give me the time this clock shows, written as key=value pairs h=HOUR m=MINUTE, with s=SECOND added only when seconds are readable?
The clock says h=8 m=3 s=38
